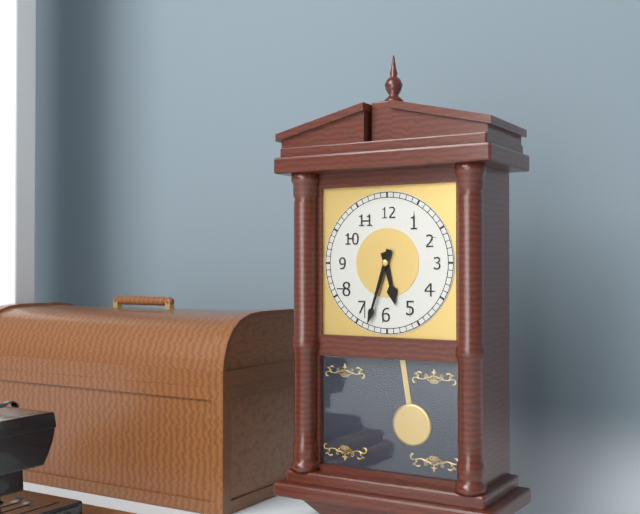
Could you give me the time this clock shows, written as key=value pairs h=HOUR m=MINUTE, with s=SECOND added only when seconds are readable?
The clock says h=5 m=33
